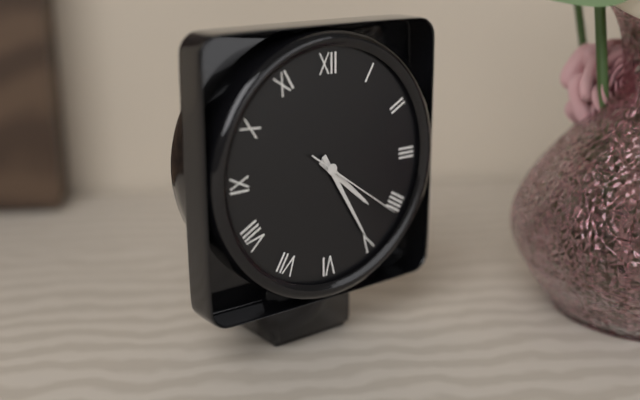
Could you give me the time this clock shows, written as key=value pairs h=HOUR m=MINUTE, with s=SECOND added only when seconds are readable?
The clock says h=4 m=25 s=21
